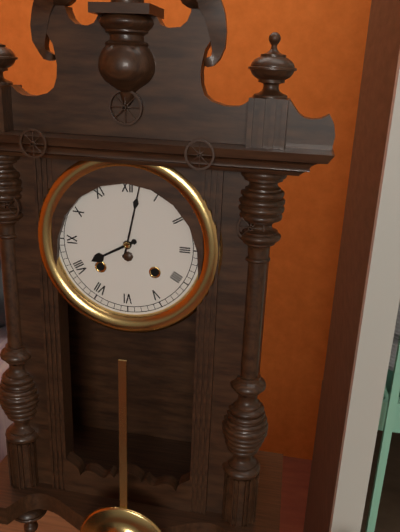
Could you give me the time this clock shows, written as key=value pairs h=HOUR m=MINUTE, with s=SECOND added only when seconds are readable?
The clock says h=8 m=2
